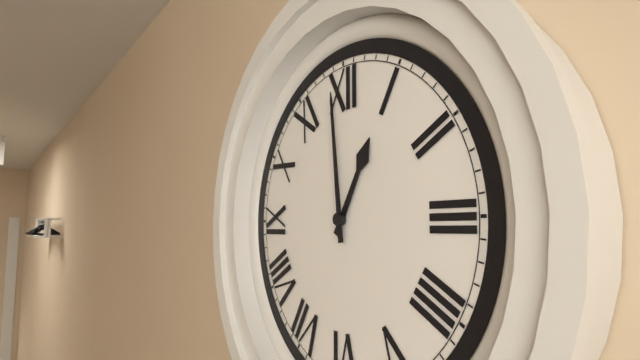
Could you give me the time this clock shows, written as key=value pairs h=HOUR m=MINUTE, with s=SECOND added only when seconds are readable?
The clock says h=12 m=59
